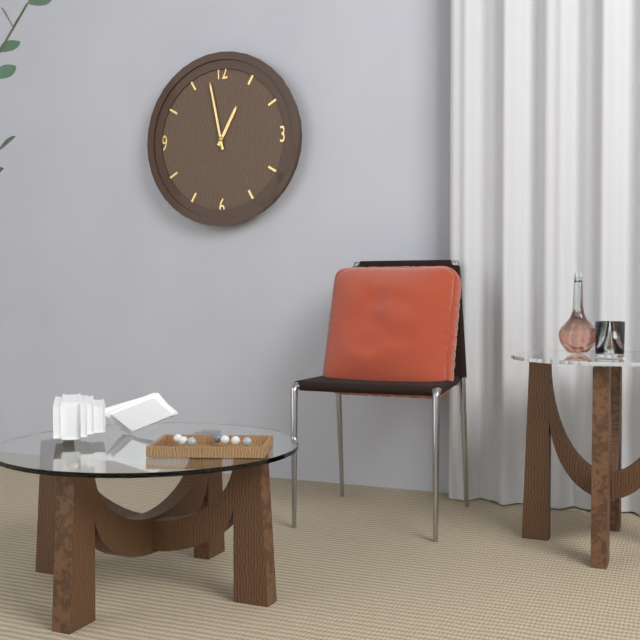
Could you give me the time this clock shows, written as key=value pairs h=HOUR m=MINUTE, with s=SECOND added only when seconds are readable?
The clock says h=12 m=58
